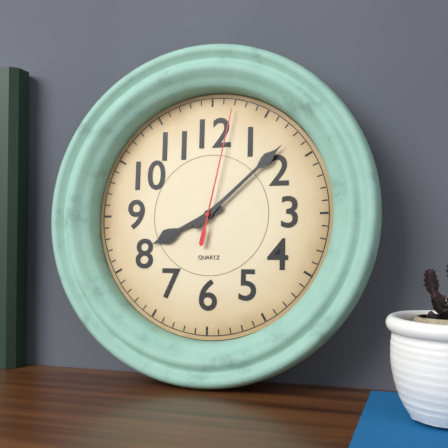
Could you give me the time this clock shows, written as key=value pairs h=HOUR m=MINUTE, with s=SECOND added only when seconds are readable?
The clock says h=8 m=8 s=2
